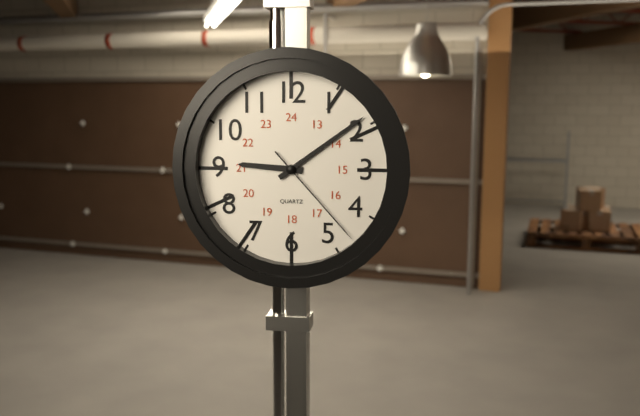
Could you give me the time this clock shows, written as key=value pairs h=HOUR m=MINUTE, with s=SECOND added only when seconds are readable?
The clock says h=9 m=9 s=23
